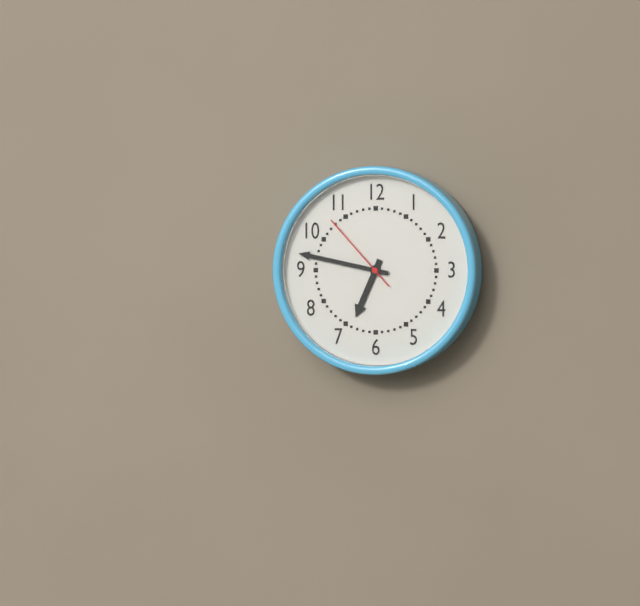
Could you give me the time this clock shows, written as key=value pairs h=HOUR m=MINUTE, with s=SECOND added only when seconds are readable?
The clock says h=6 m=47 s=53
